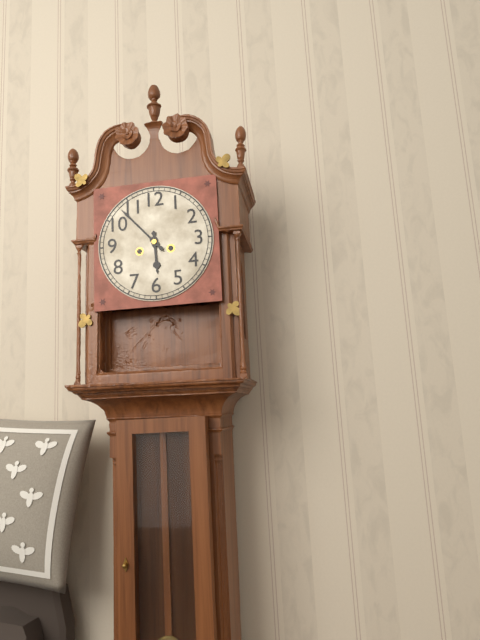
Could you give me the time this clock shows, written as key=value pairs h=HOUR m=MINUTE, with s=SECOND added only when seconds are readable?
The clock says h=5 m=53
